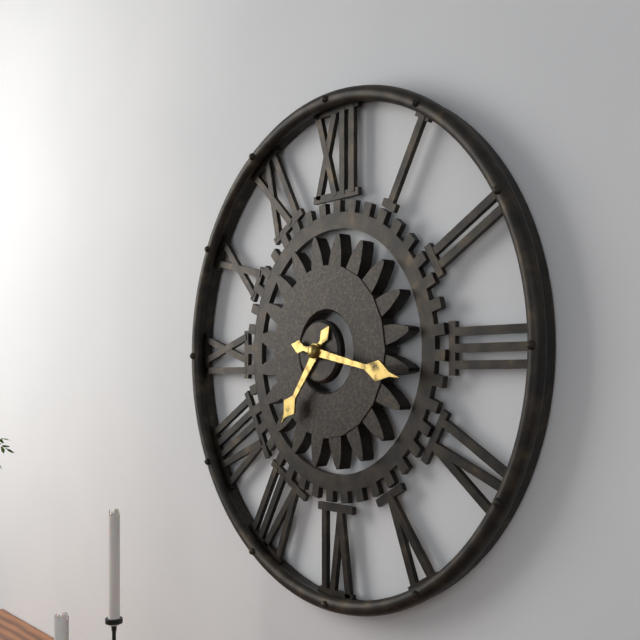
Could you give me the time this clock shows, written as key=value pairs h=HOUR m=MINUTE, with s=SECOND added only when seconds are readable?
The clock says h=7 m=17
